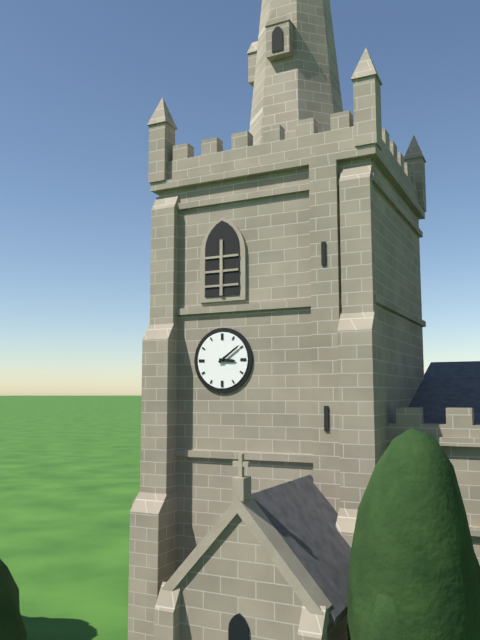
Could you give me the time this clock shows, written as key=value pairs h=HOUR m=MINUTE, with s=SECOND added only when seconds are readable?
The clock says h=3 m=9
